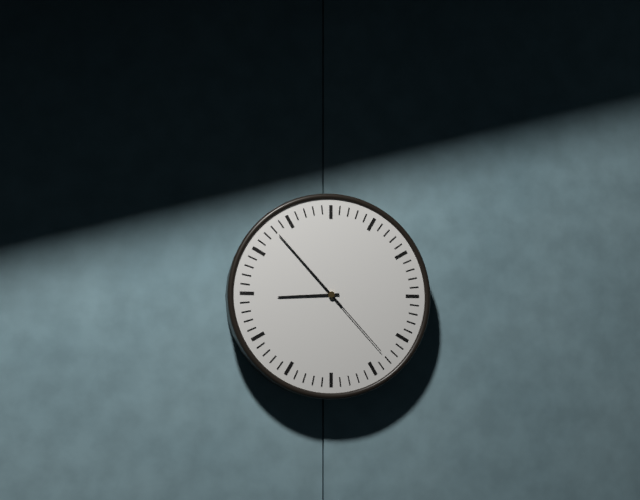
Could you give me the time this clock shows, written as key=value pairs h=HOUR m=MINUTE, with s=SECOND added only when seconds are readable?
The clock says h=8 m=53 s=23
